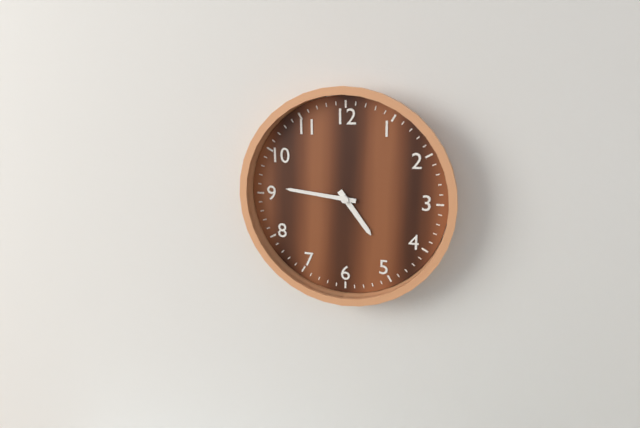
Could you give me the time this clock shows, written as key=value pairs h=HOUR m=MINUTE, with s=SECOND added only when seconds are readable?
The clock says h=4 m=46
